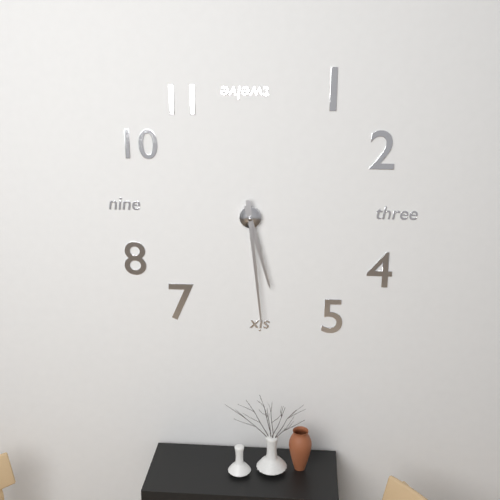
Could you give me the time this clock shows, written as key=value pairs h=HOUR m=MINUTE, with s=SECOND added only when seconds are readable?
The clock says h=5 m=29
